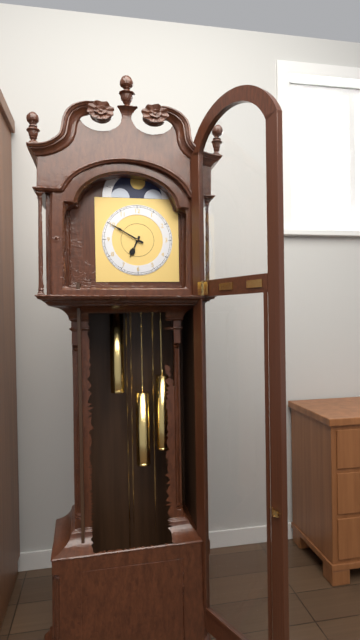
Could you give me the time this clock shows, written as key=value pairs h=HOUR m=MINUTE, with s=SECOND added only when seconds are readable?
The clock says h=6 m=50
